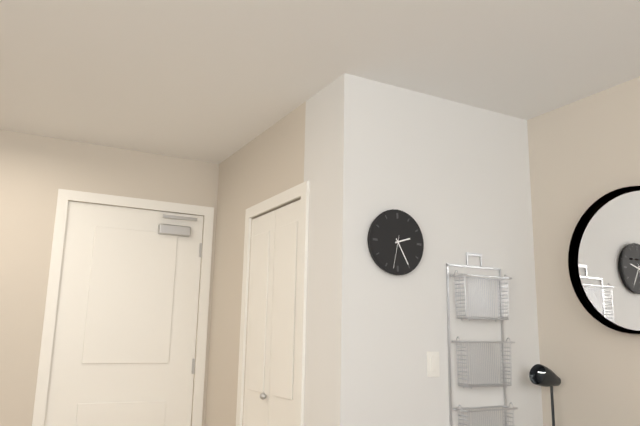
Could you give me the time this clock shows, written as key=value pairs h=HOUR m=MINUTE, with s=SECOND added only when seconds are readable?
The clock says h=2 m=25
